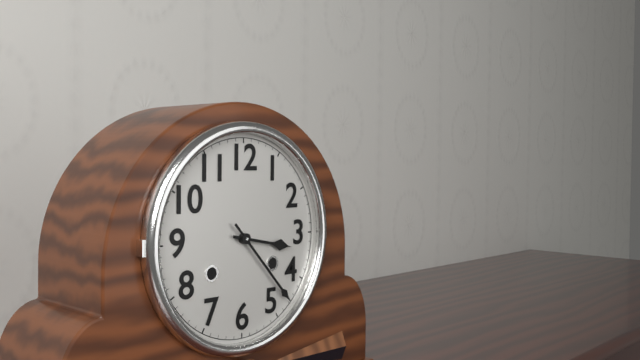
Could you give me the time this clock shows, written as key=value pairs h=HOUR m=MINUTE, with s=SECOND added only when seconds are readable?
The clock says h=3 m=23
